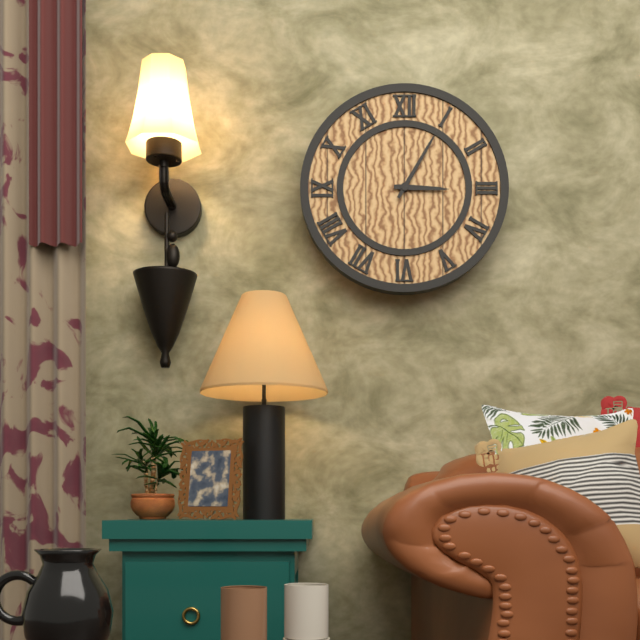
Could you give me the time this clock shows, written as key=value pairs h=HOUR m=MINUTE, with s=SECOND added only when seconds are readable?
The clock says h=3 m=5
